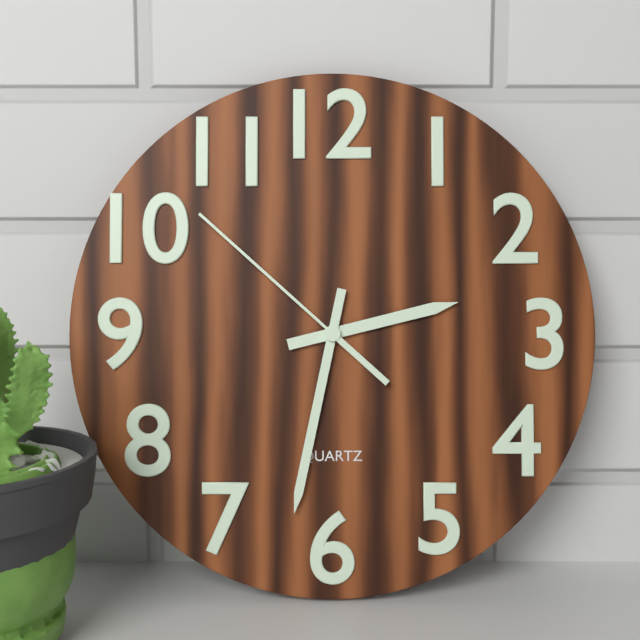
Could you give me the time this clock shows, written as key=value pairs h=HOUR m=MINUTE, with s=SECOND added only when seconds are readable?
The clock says h=2 m=32 s=52
